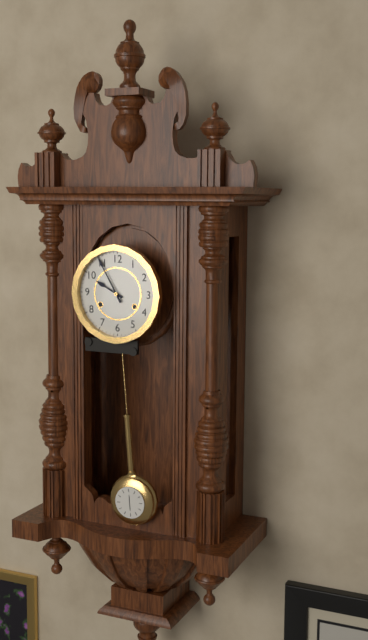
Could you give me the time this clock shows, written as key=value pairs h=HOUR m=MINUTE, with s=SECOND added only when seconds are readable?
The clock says h=9 m=55
